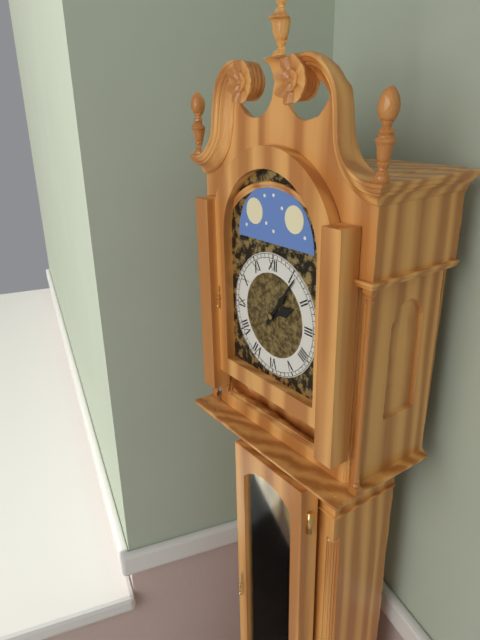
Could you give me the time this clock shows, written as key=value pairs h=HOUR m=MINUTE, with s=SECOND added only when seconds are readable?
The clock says h=2 m=6
